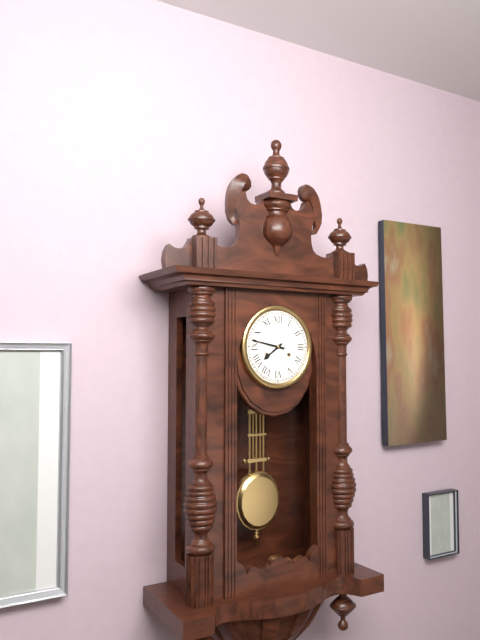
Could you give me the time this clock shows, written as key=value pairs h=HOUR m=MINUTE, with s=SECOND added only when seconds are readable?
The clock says h=7 m=47
